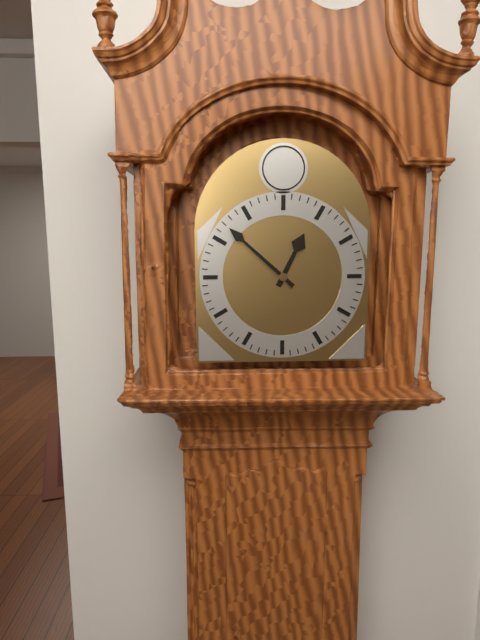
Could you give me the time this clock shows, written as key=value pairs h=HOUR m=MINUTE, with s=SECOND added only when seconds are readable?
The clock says h=12 m=52
